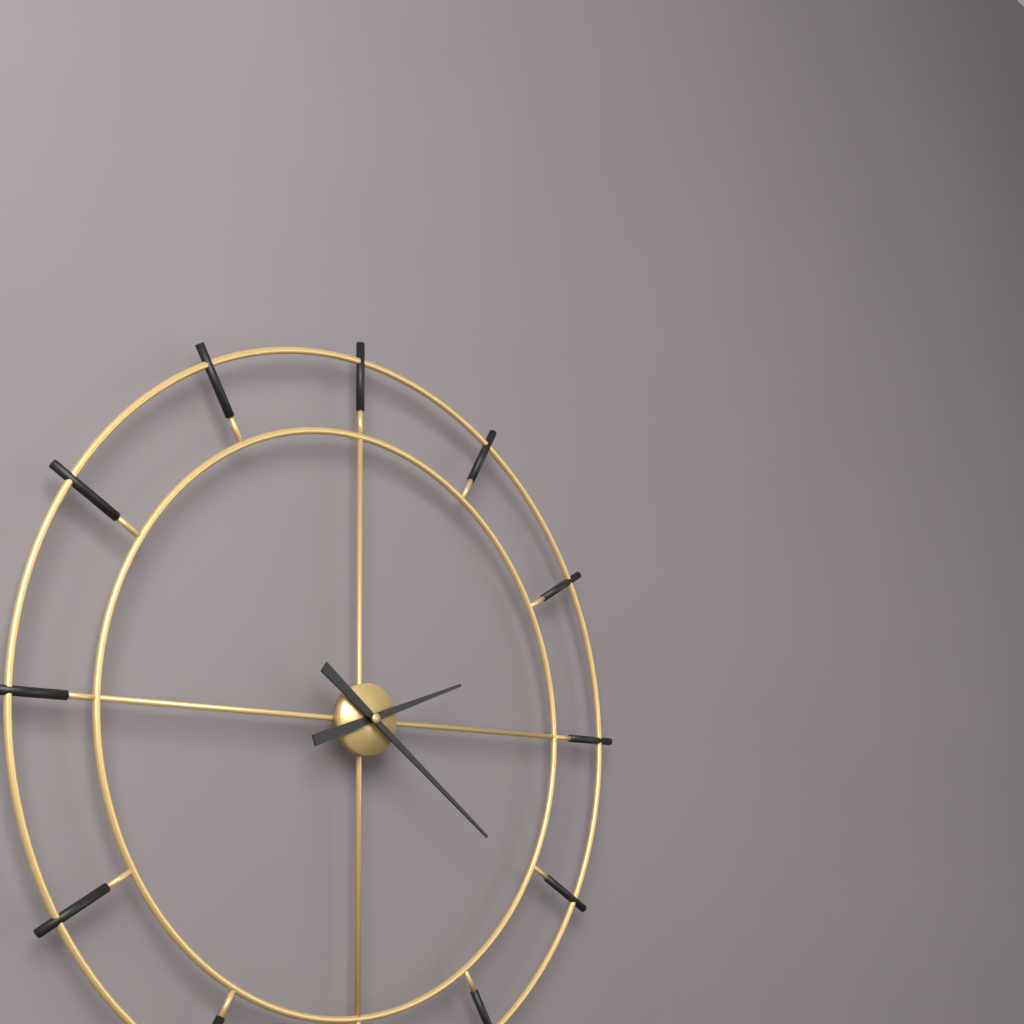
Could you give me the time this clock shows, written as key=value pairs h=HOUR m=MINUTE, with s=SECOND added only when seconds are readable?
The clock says h=2 m=21
